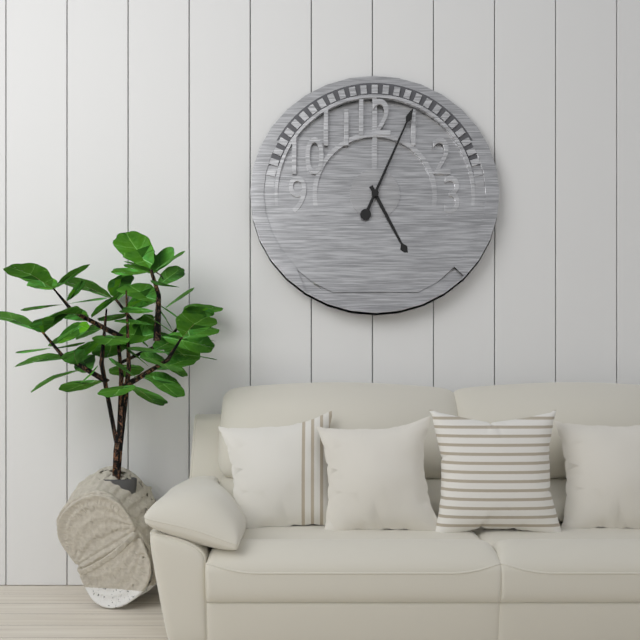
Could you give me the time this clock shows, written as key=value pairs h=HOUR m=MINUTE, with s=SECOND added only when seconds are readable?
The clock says h=5 m=4
